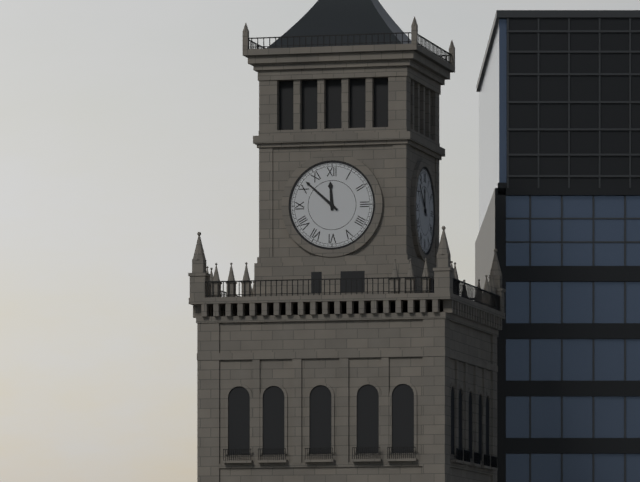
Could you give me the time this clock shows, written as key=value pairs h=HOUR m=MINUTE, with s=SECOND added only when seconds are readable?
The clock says h=11 m=52
